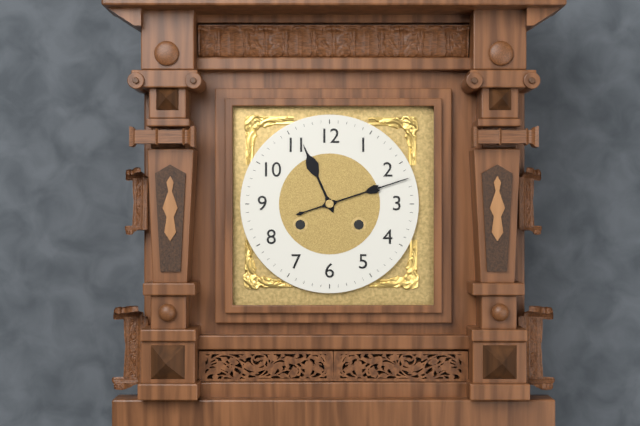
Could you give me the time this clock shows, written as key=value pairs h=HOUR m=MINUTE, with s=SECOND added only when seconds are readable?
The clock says h=11 m=12
